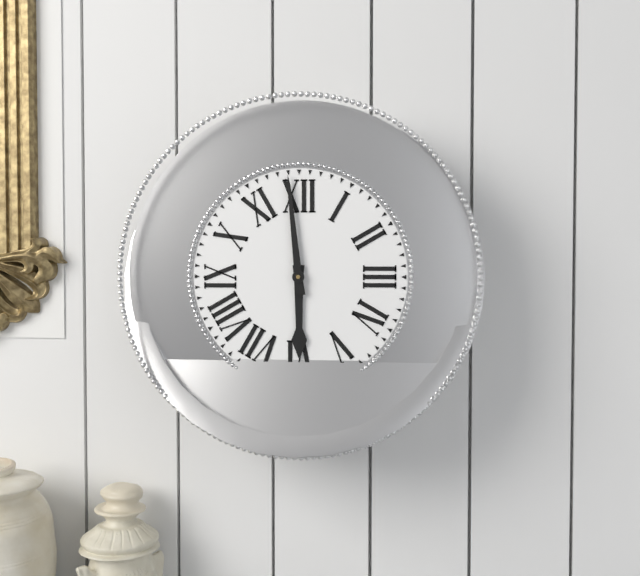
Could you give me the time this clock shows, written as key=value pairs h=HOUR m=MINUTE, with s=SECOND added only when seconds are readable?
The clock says h=5 m=59
